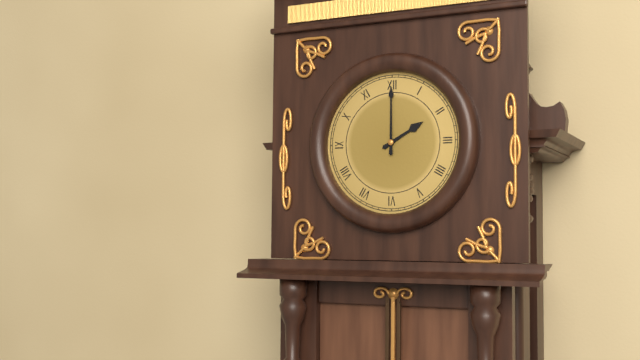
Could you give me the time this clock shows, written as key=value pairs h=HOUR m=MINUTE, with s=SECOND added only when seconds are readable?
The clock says h=2 m=0
